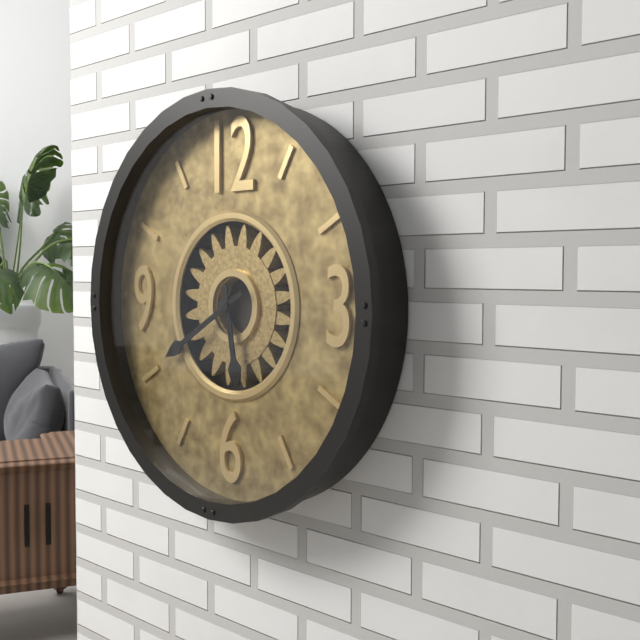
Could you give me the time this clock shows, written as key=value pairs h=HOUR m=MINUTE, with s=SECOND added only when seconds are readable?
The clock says h=5 m=40
